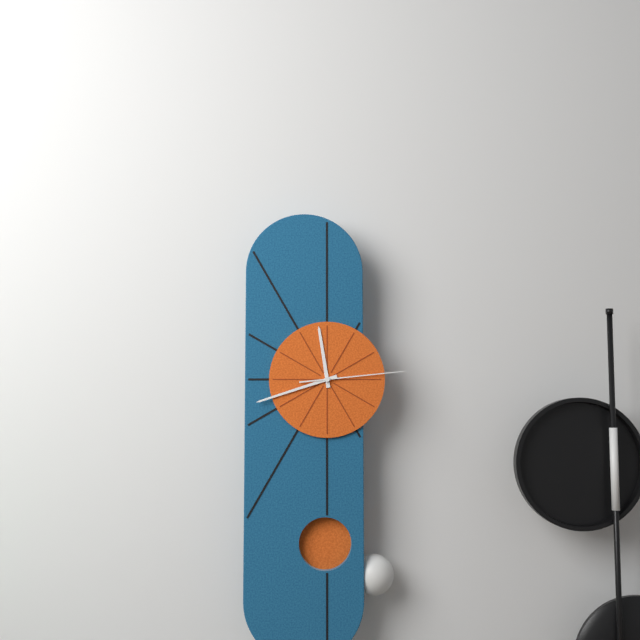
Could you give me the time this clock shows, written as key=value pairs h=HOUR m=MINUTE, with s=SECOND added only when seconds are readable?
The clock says h=11 m=42 s=14
